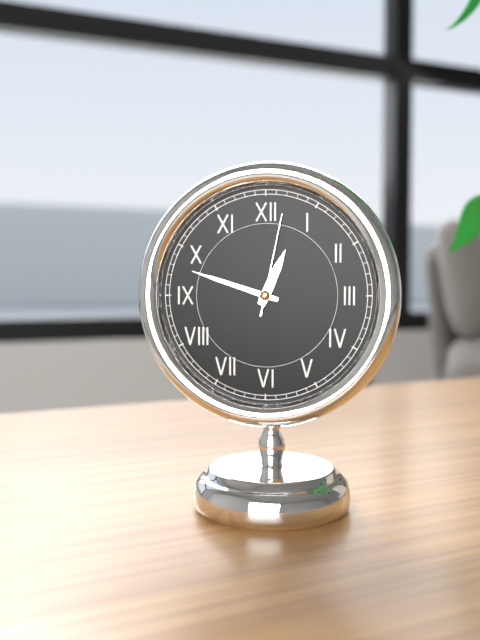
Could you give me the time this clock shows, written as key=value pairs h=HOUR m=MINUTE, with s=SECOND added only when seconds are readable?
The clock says h=12 m=48 s=2
